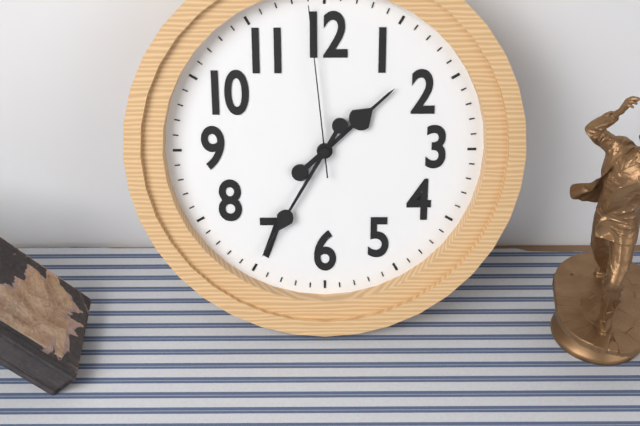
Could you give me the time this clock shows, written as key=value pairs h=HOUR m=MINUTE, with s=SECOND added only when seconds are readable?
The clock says h=1 m=35 s=59
